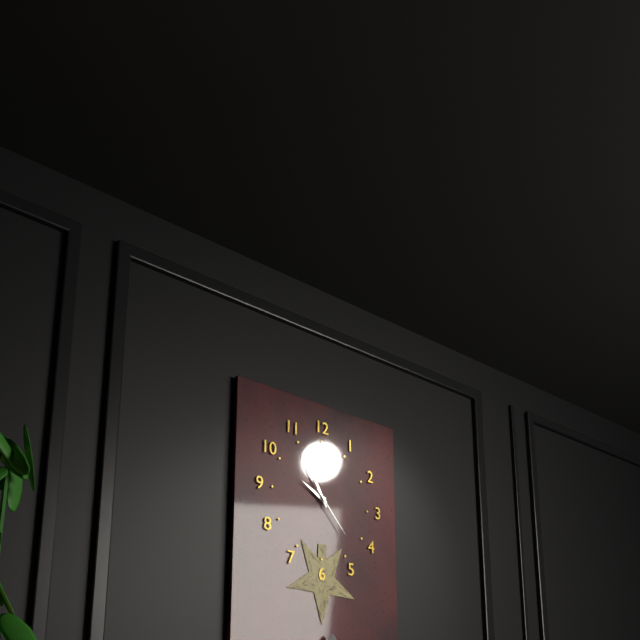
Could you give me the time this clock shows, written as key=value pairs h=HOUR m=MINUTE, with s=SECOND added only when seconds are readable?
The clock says h=9 m=55 s=23
